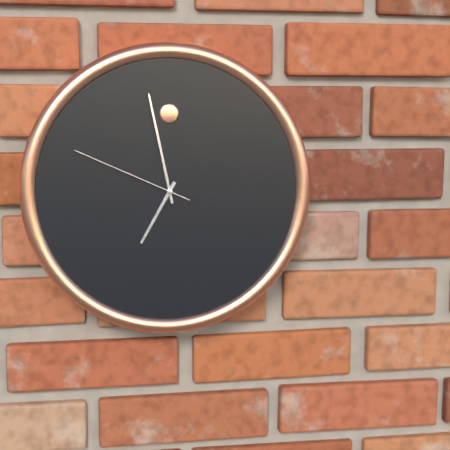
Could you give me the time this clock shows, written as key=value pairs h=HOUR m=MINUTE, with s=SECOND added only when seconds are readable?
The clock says h=6 m=58 s=49
